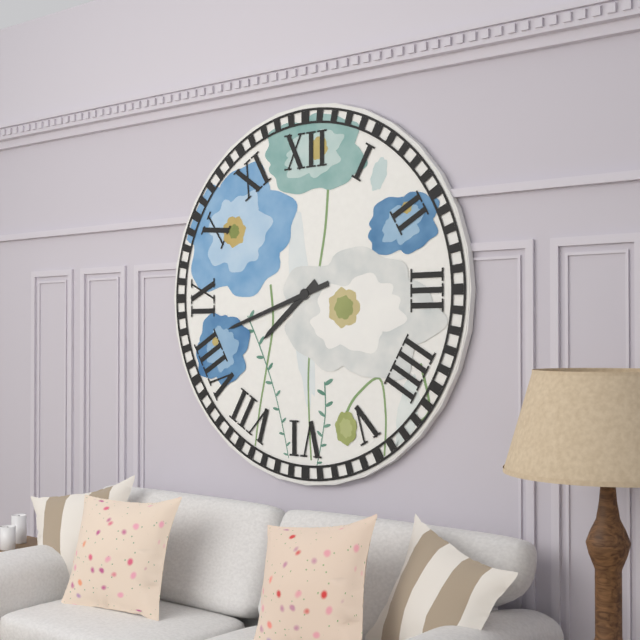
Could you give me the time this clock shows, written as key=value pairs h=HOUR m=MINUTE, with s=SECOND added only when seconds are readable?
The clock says h=7 m=42
